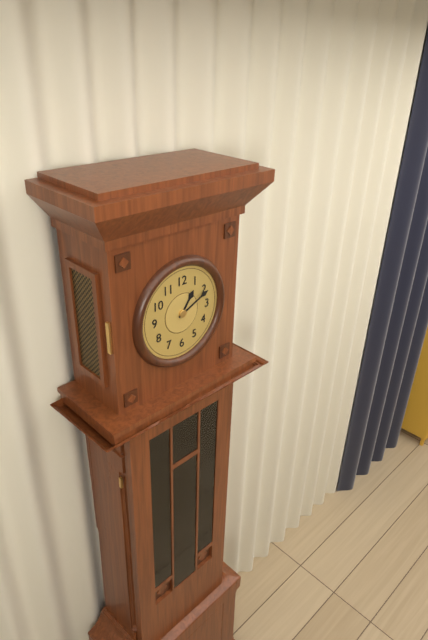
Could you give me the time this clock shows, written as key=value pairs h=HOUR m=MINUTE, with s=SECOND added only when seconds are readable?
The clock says h=1 m=11
